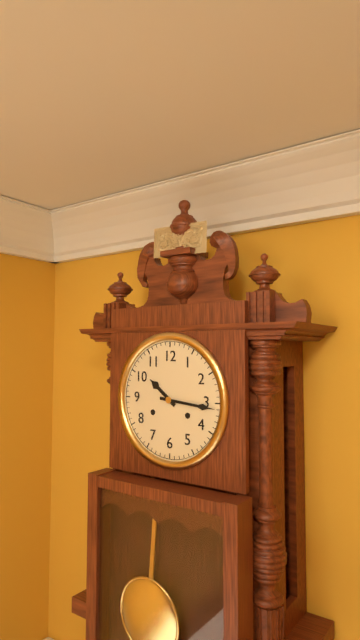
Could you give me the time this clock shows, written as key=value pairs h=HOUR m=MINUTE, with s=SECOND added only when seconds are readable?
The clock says h=10 m=16
